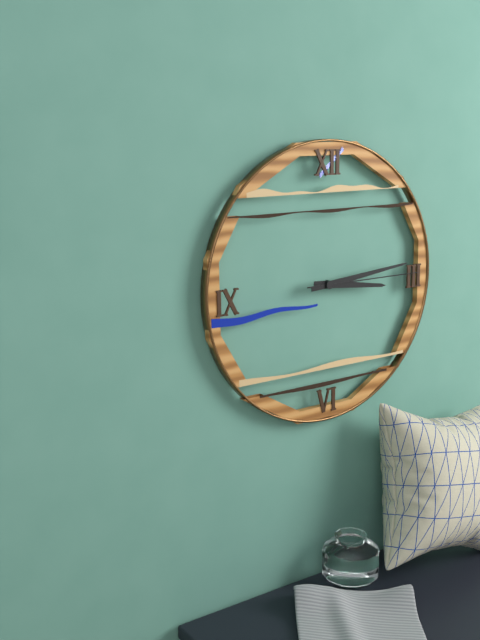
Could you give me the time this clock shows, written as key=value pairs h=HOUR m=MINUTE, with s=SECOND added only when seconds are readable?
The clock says h=3 m=14 s=15
